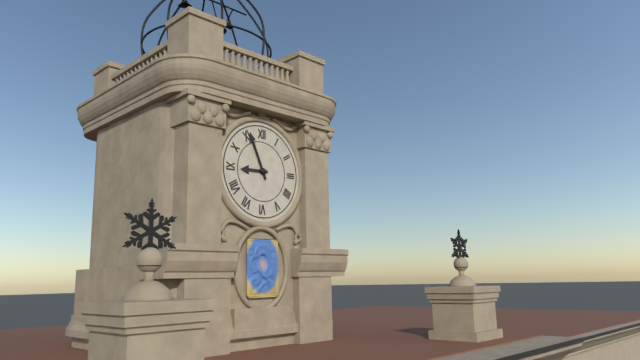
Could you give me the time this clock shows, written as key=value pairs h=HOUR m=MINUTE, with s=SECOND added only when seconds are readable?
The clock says h=8 m=56
